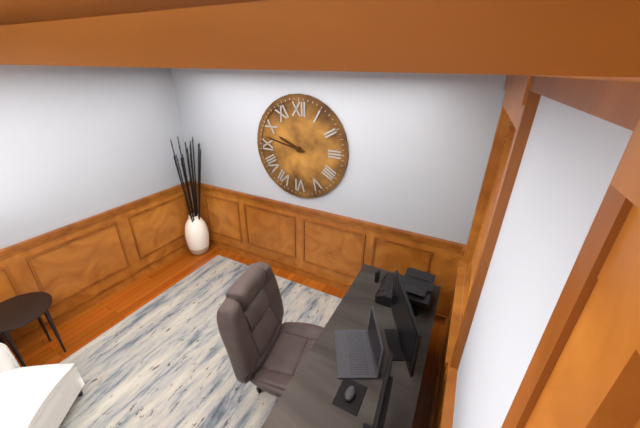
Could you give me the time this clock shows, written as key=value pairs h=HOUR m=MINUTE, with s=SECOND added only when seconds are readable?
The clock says h=9 m=47
